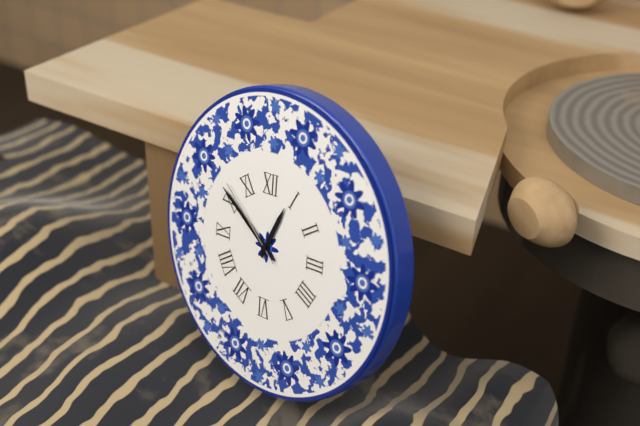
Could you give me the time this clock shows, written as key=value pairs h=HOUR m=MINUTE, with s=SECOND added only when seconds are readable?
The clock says h=12 m=51 s=52
